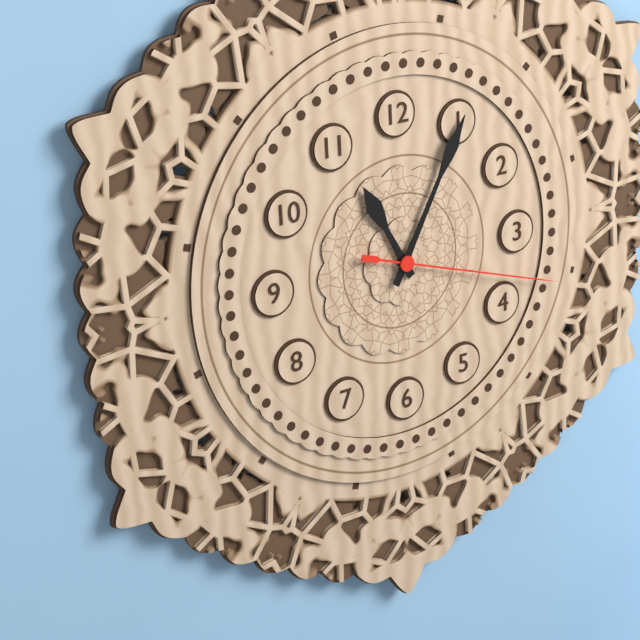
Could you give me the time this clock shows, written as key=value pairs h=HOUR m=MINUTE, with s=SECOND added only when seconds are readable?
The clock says h=11 m=5 s=18
